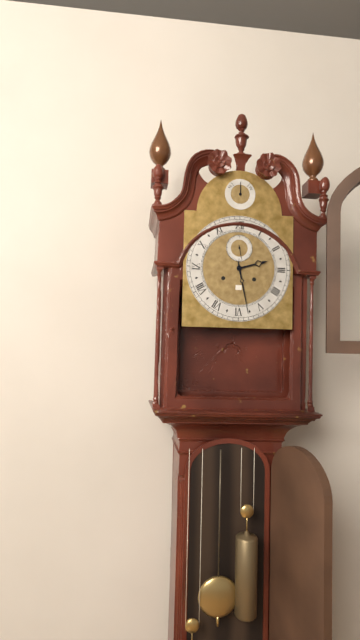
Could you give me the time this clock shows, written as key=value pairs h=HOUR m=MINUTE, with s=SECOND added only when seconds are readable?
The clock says h=2 m=28
